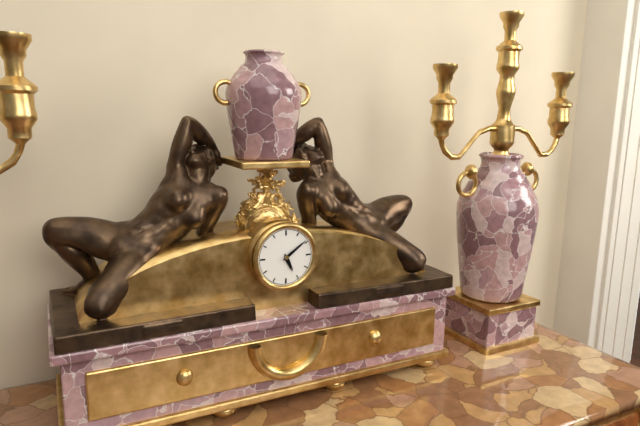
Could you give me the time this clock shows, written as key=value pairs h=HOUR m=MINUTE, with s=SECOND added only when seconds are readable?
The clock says h=5 m=9
